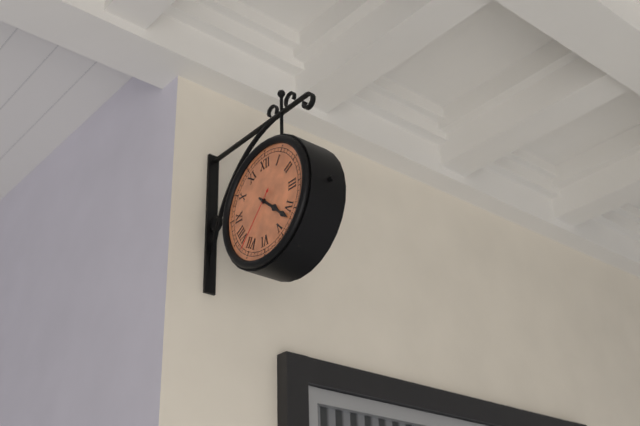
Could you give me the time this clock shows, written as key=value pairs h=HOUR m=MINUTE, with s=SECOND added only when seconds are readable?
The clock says h=4 m=22 s=37
